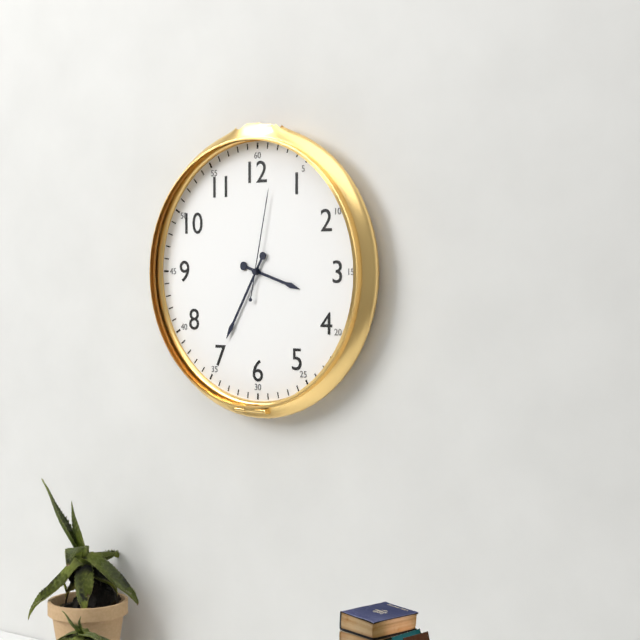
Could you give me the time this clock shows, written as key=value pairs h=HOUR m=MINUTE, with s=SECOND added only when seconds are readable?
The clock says h=3 m=35 s=2
